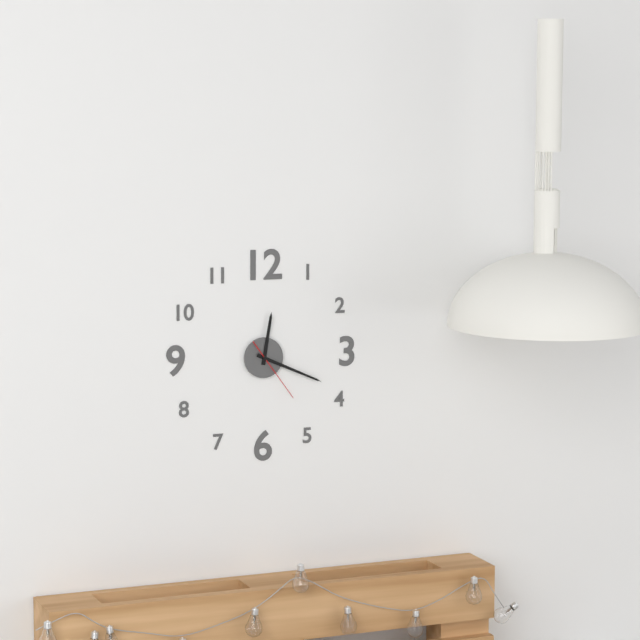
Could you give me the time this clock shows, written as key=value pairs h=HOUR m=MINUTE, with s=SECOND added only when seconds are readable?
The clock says h=12 m=19 s=24
